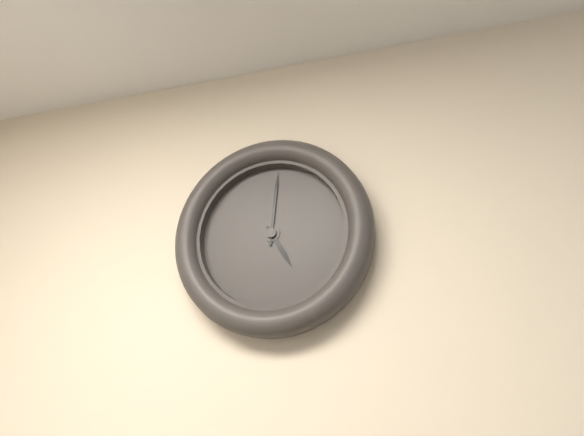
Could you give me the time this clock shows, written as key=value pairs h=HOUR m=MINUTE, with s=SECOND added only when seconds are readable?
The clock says h=5 m=1
